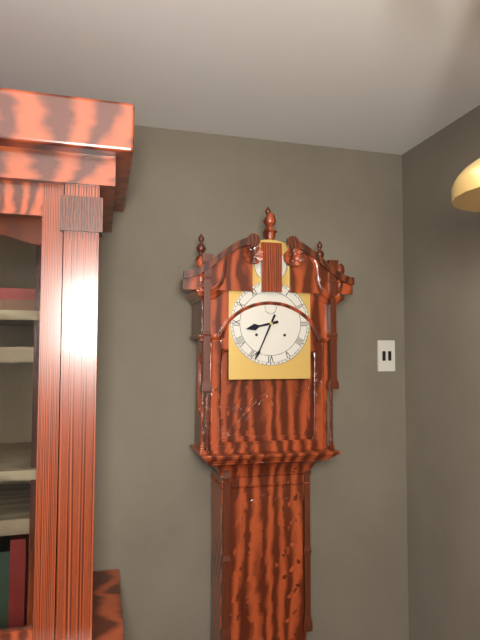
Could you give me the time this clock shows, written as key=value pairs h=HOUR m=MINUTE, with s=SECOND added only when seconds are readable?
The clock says h=8 m=34
